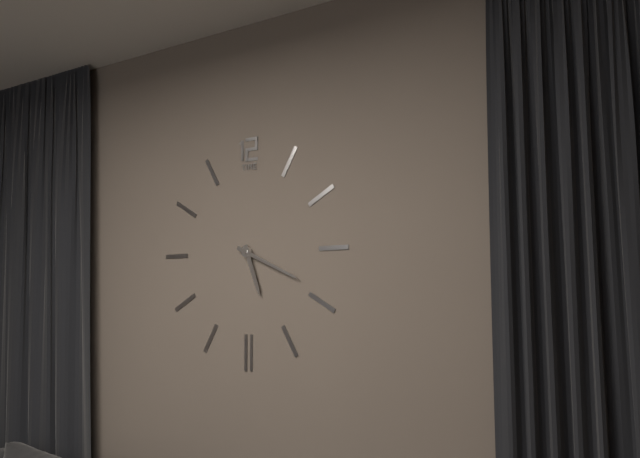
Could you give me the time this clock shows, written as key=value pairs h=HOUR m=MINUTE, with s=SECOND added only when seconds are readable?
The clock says h=5 m=19
